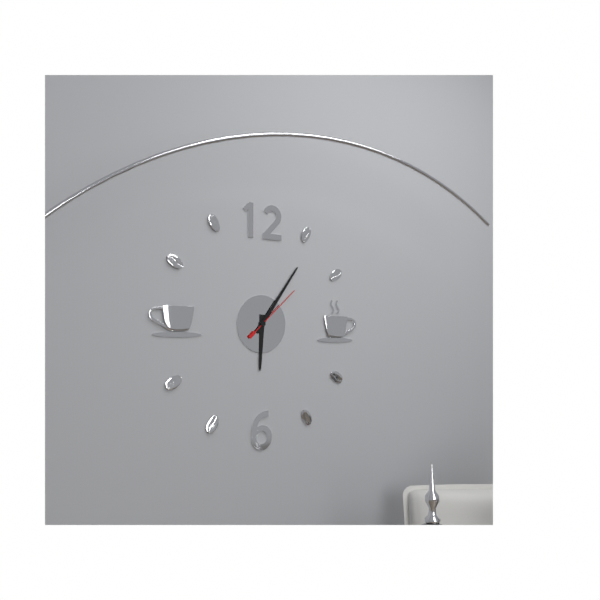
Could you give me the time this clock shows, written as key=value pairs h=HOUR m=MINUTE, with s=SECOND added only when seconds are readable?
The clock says h=6 m=6 s=8
